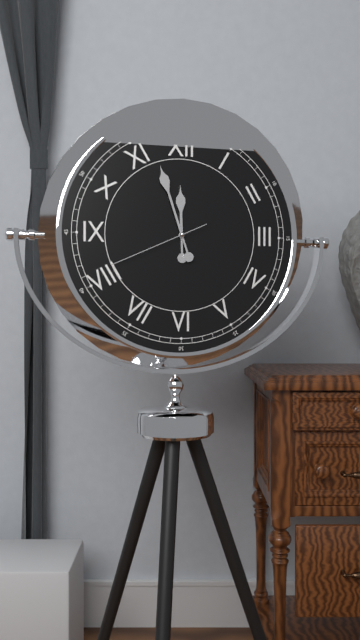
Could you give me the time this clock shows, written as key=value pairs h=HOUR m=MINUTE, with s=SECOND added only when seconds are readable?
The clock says h=11 m=57 s=41
